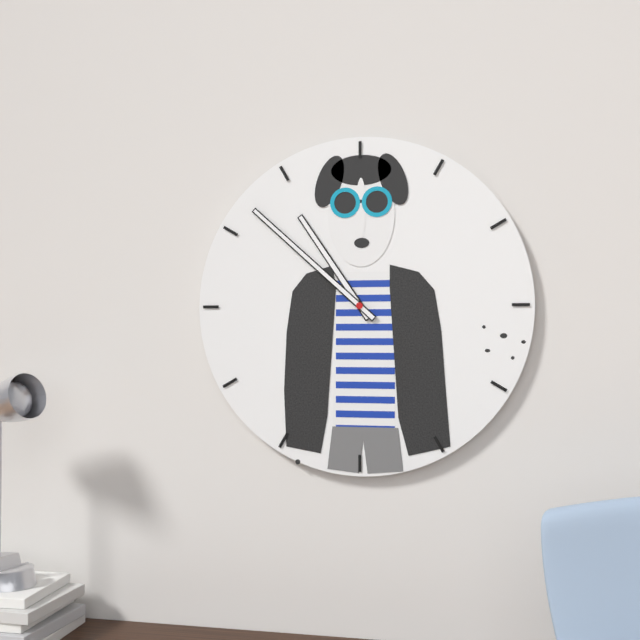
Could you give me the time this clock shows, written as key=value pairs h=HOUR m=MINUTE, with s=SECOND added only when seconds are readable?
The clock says h=10 m=52
